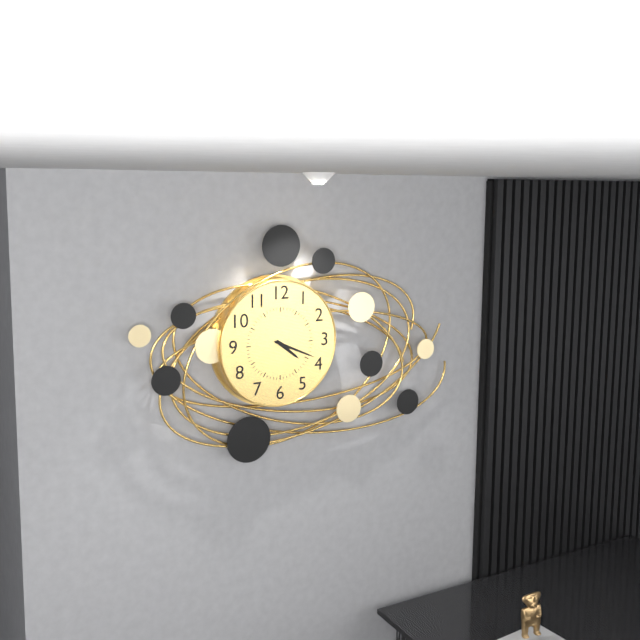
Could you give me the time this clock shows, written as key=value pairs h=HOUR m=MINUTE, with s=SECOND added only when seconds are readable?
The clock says h=4 m=19
